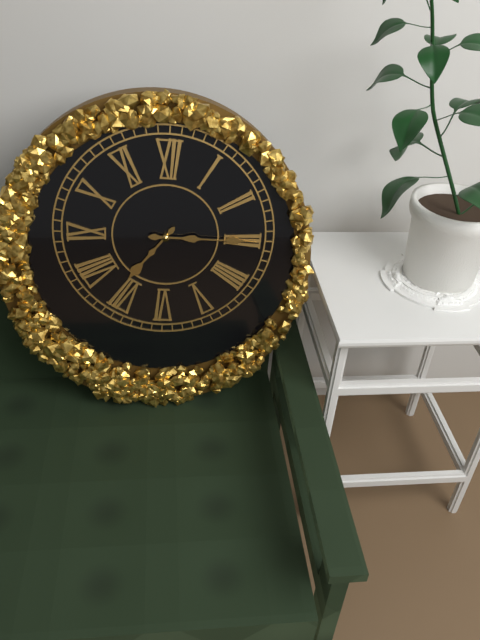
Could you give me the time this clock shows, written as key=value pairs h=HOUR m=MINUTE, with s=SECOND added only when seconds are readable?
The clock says h=7 m=15
